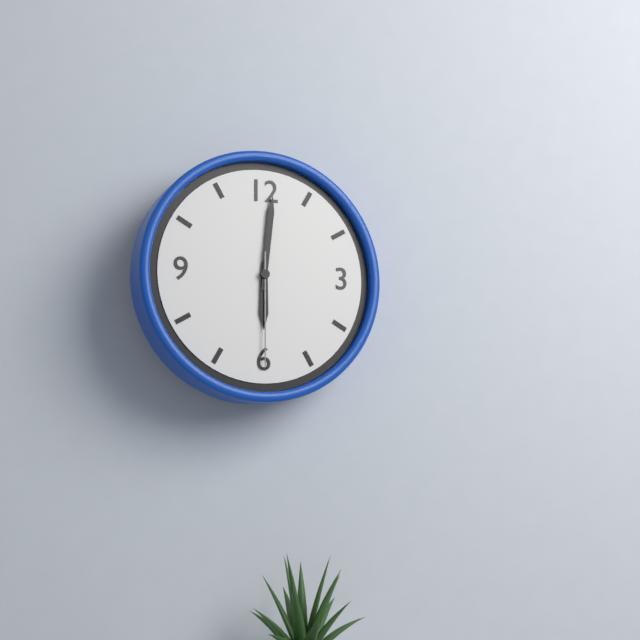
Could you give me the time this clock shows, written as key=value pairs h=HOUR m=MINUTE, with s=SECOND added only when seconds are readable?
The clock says h=6 m=1 s=30
